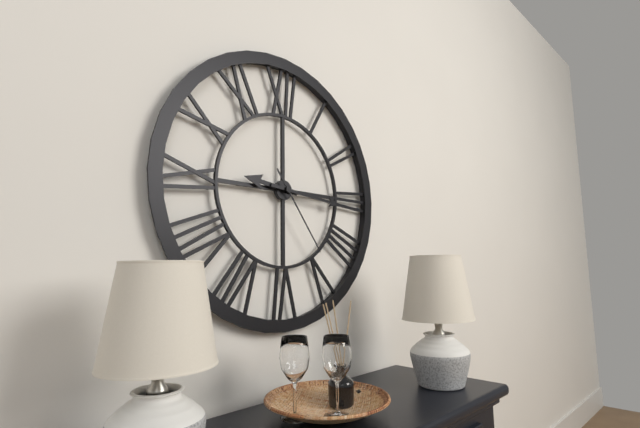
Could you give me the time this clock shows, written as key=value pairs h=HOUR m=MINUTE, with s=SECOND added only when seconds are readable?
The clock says h=9 m=16 s=24
